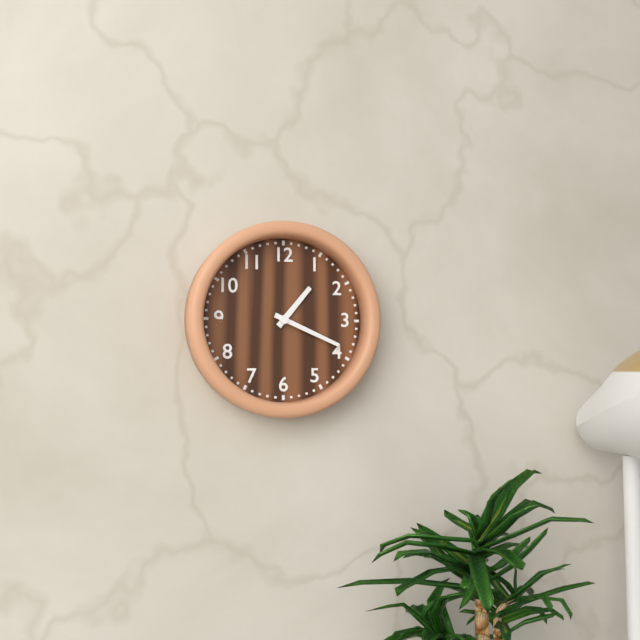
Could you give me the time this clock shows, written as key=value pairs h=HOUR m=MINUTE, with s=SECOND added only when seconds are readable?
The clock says h=1 m=19
